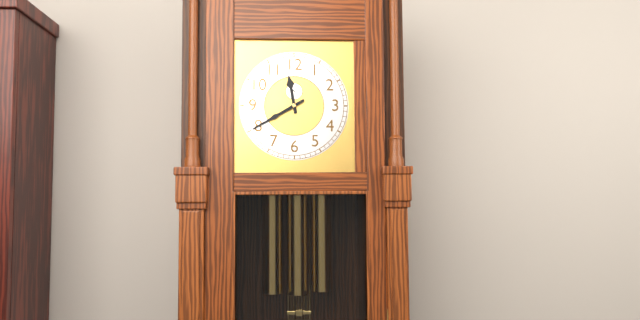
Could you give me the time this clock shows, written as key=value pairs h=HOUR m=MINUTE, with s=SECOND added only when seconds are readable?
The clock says h=11 m=40
